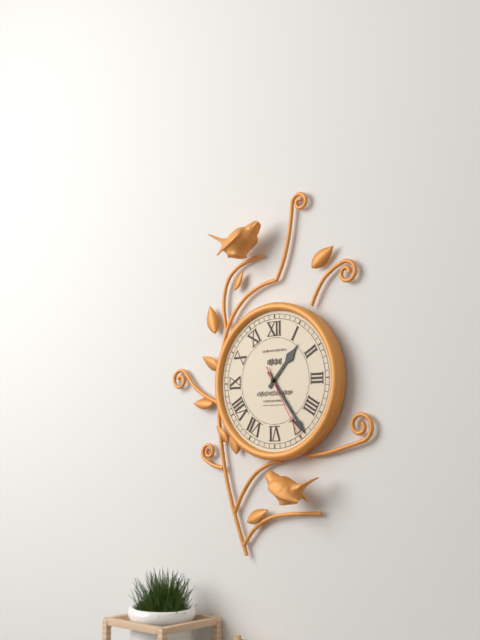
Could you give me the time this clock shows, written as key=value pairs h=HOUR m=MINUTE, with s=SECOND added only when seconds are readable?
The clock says h=1 m=24 s=25
